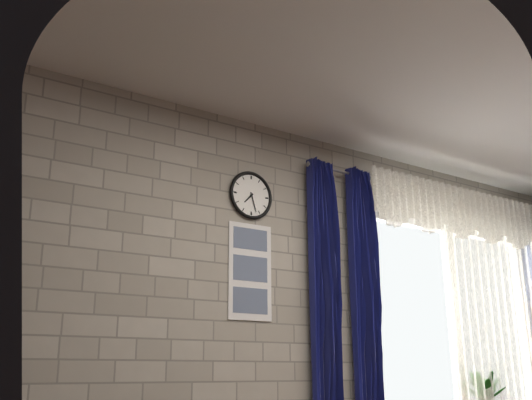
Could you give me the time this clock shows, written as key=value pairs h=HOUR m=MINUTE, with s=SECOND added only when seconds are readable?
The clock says h=7 m=27
